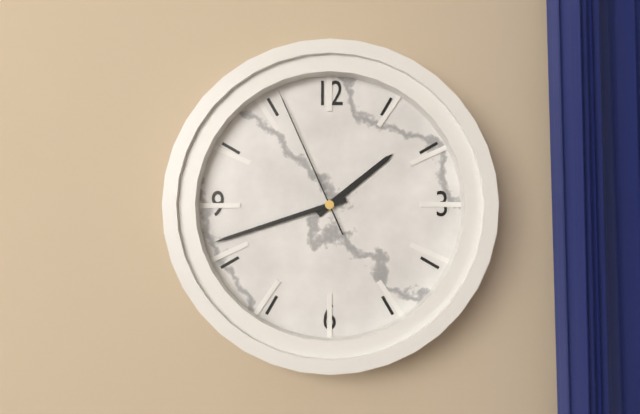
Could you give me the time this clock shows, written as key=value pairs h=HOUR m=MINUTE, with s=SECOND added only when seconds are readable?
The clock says h=1 m=42 s=56
